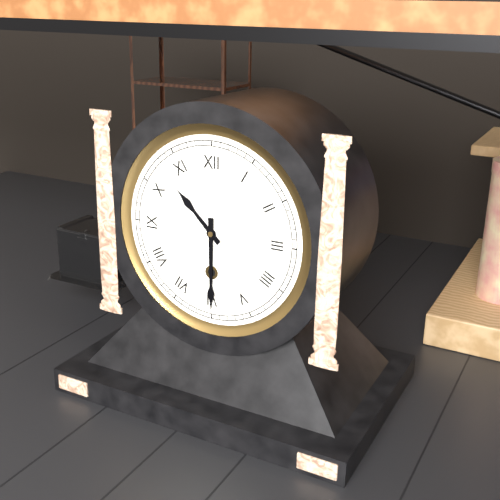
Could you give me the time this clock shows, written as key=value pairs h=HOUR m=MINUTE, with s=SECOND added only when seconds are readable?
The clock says h=10 m=30
